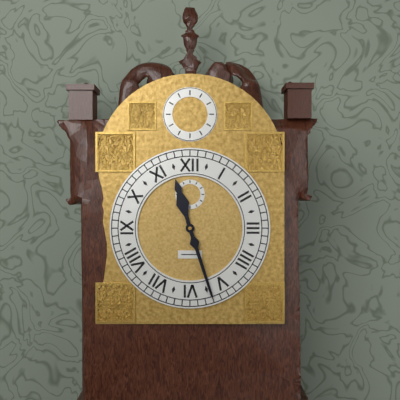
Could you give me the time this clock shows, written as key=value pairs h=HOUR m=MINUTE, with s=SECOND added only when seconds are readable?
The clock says h=11 m=27
